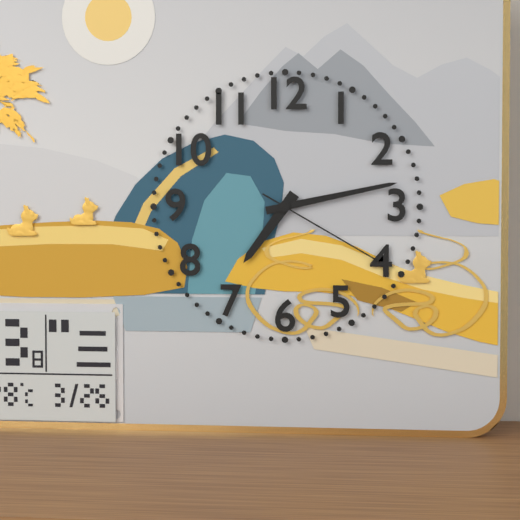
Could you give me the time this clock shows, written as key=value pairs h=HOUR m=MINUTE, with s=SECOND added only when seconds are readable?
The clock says h=7 m=13 s=20
